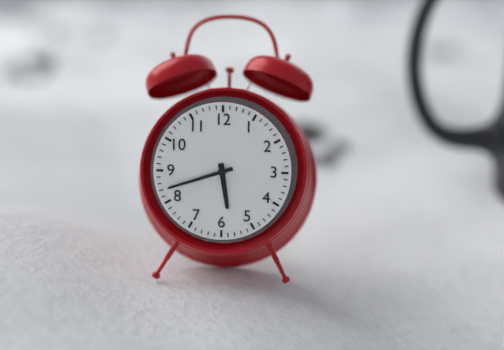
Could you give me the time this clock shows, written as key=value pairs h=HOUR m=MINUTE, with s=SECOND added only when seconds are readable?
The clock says h=5 m=42
